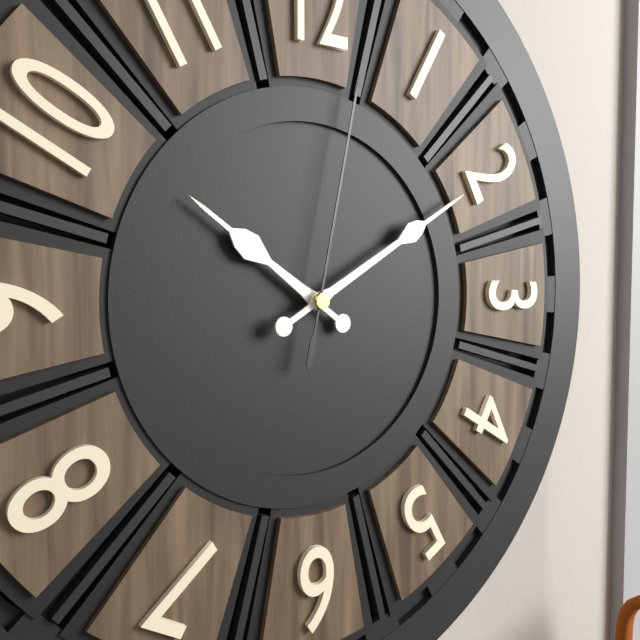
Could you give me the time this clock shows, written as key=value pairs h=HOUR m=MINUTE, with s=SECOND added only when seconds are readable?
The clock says h=10 m=10 s=2
